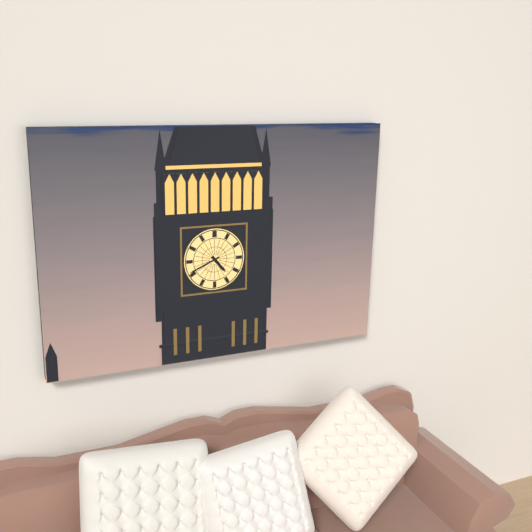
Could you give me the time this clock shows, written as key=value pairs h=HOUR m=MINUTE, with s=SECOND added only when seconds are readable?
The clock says h=4 m=41
